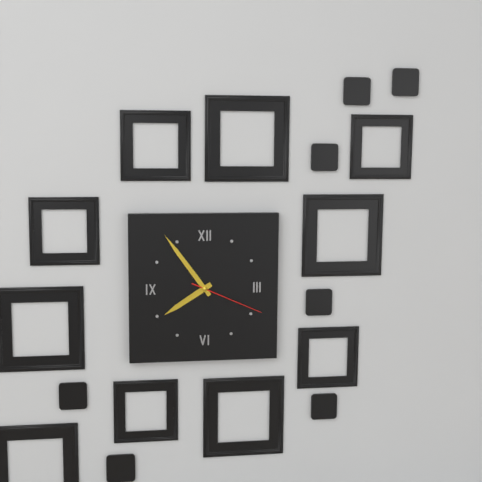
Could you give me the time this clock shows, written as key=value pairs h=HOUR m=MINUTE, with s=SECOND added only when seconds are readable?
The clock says h=7 m=54 s=19
